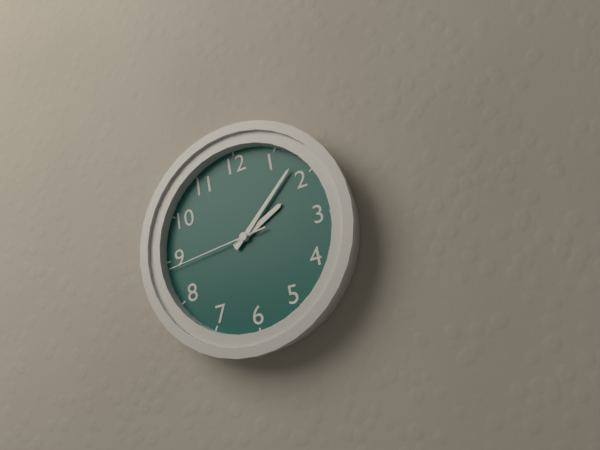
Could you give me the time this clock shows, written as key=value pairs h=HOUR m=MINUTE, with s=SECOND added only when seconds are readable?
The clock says h=2 m=8 s=44
